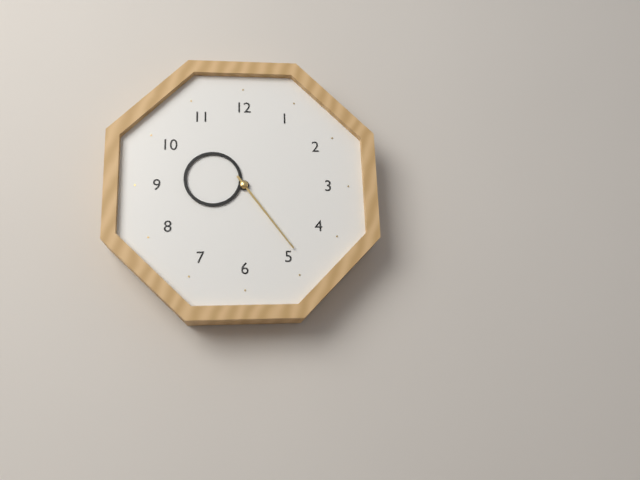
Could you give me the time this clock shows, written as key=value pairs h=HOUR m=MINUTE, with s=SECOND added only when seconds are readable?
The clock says h=9 m=24
